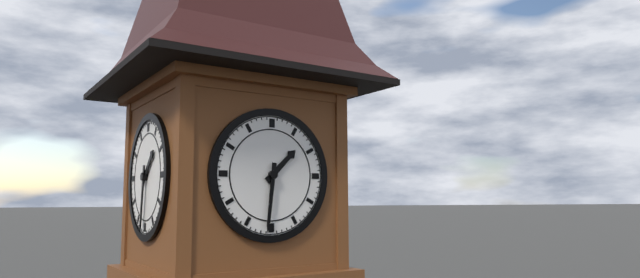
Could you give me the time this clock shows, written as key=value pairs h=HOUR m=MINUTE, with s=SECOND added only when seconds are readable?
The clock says h=1 m=31
